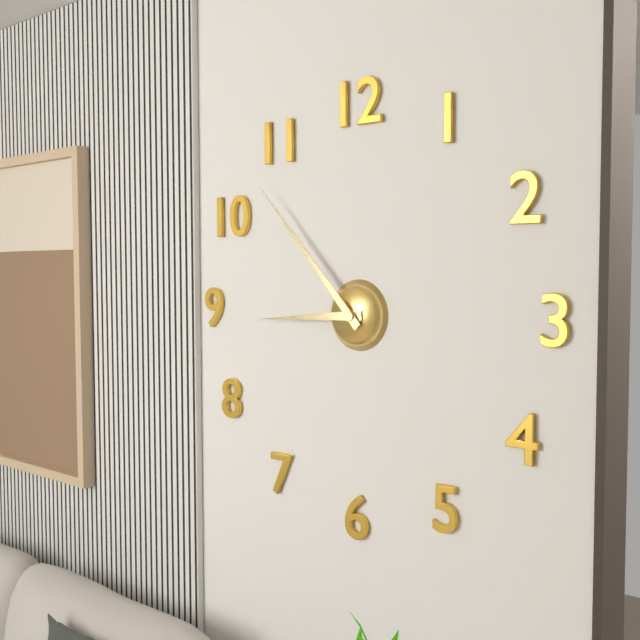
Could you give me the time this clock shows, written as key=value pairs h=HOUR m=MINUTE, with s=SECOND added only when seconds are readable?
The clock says h=8 m=53
